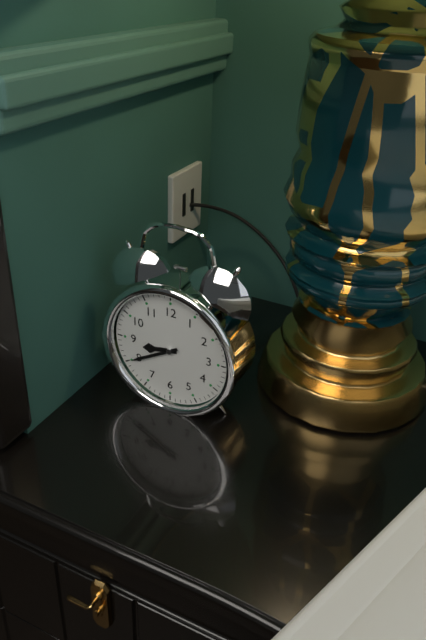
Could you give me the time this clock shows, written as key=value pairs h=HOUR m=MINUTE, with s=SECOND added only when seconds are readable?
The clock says h=8 m=40
